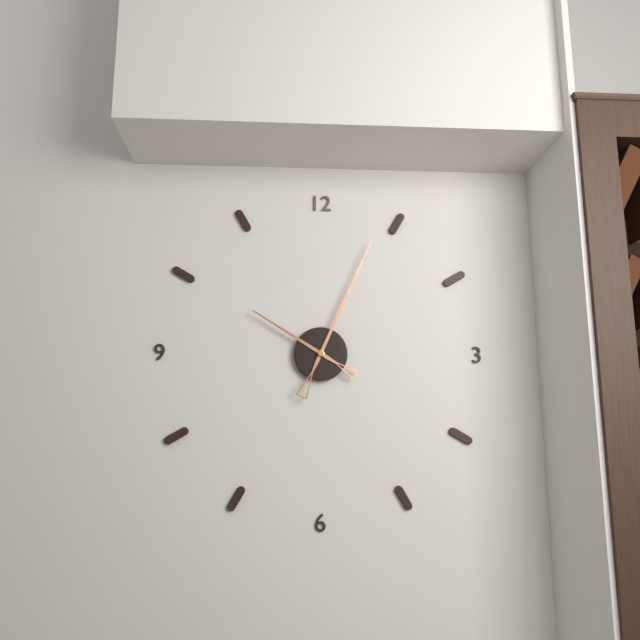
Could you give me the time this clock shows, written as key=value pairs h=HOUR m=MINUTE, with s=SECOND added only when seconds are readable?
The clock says h=10 m=4
